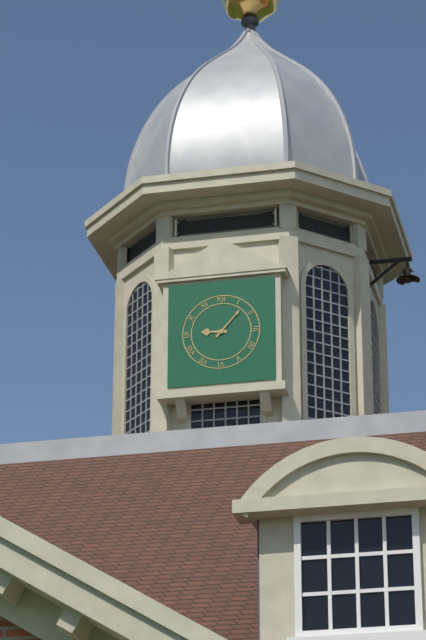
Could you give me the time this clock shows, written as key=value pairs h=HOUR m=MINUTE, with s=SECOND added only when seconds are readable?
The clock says h=9 m=7
